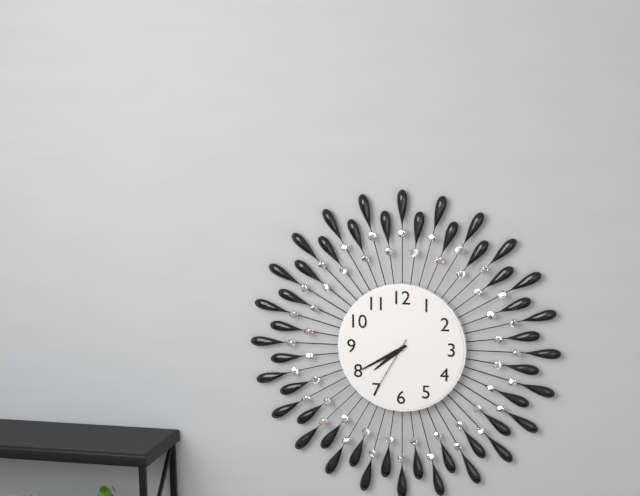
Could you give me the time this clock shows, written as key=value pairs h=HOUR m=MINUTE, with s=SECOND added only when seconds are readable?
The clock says h=7 m=40 s=35
